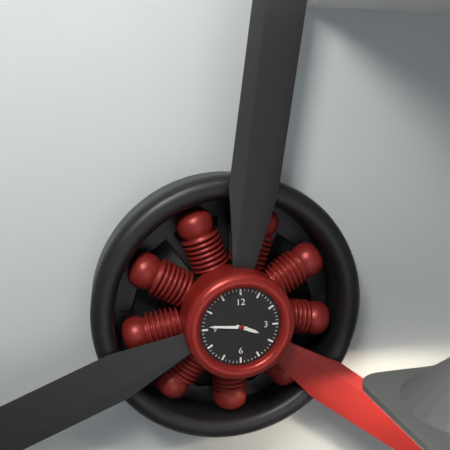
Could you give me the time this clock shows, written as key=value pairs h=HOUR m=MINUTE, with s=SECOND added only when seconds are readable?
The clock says h=3 m=46
